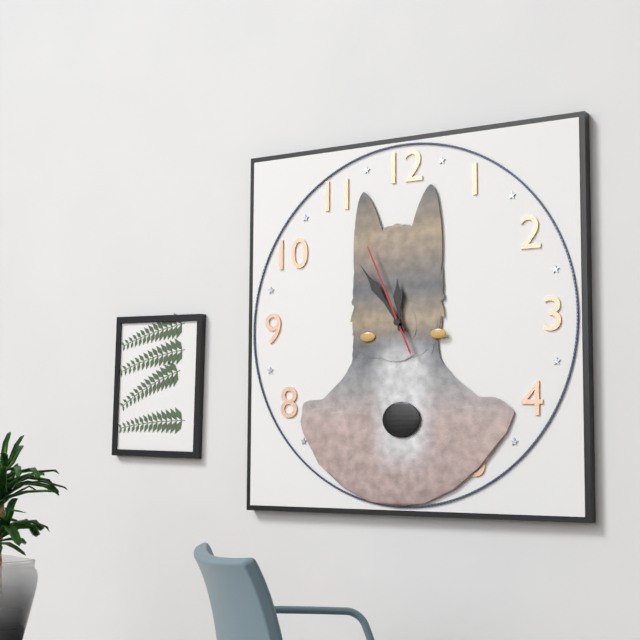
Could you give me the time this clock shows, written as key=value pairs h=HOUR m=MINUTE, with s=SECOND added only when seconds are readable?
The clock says h=11 m=54 s=56
